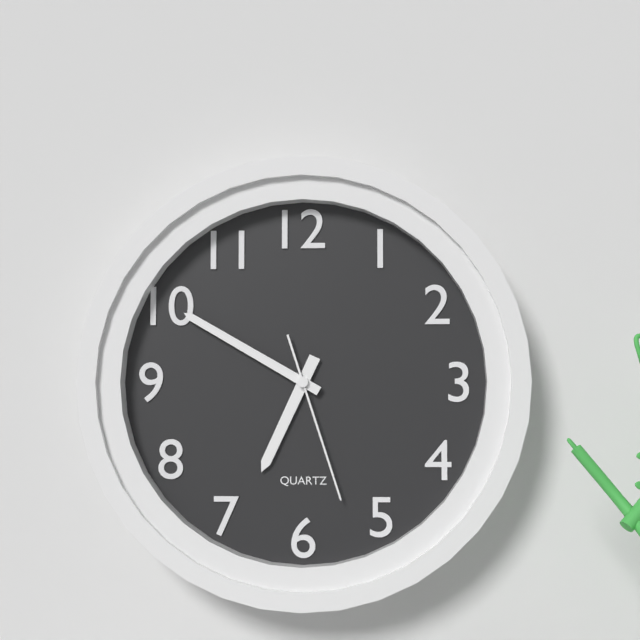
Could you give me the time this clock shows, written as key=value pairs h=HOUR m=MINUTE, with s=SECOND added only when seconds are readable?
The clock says h=6 m=50 s=27
